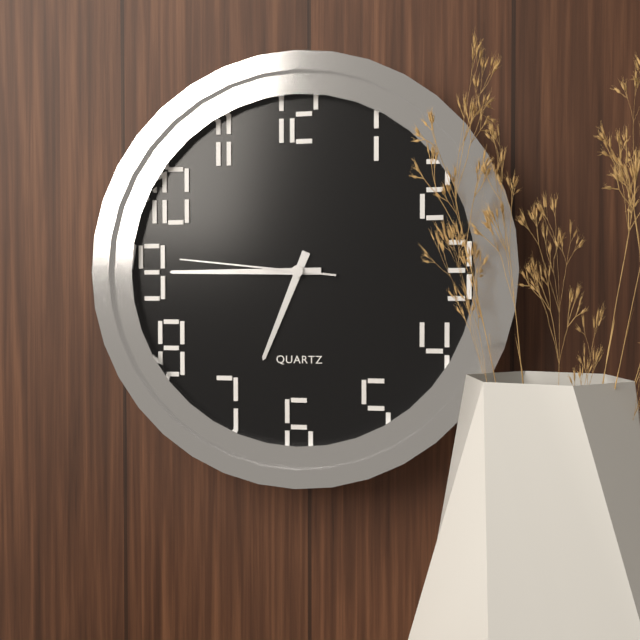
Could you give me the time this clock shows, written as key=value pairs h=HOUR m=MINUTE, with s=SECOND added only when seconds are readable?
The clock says h=6 m=45 s=46
